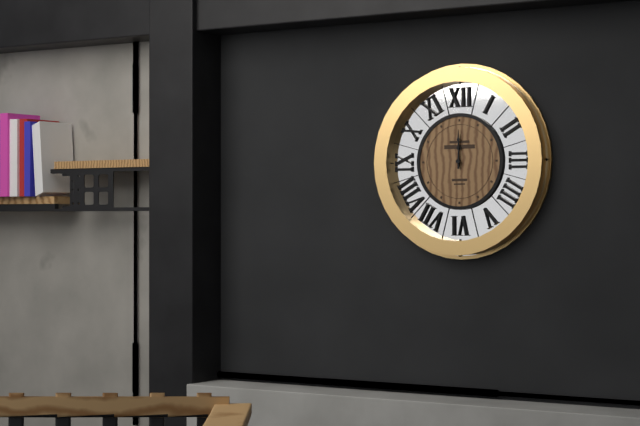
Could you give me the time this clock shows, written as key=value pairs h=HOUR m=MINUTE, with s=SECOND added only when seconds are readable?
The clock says h=12 m=0
